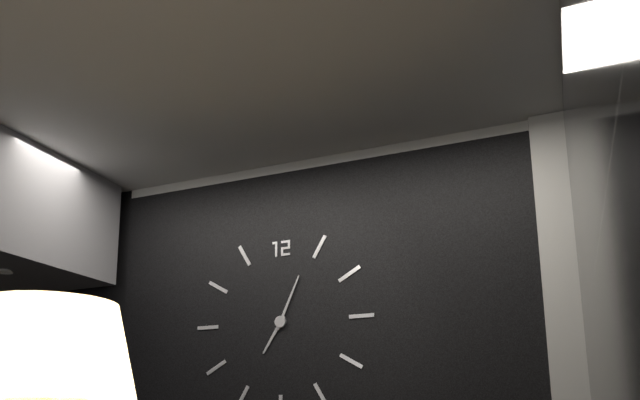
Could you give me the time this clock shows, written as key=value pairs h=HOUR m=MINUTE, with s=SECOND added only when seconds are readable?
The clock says h=7 m=4
